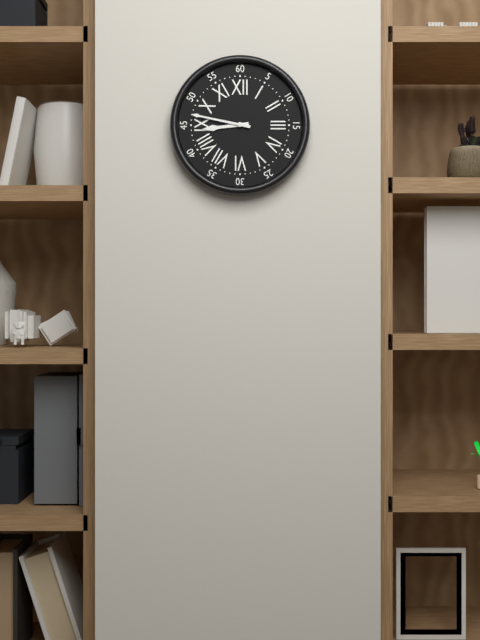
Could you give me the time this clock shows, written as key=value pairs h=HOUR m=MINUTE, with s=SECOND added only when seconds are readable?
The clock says h=8 m=47
